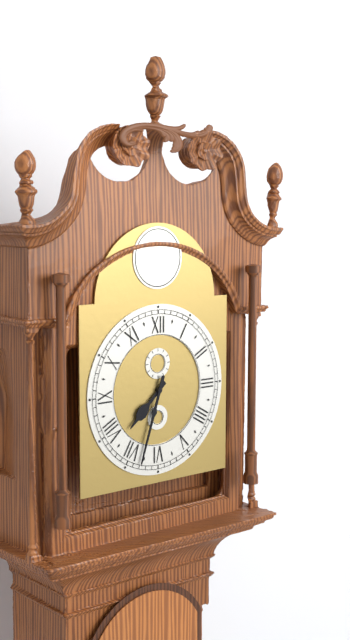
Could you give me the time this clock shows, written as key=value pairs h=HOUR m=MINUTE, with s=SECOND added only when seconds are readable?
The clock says h=7 m=33
